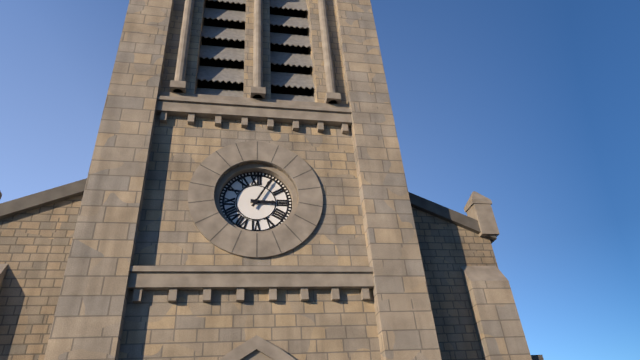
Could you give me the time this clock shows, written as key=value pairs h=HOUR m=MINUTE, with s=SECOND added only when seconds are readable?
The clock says h=3 m=5
